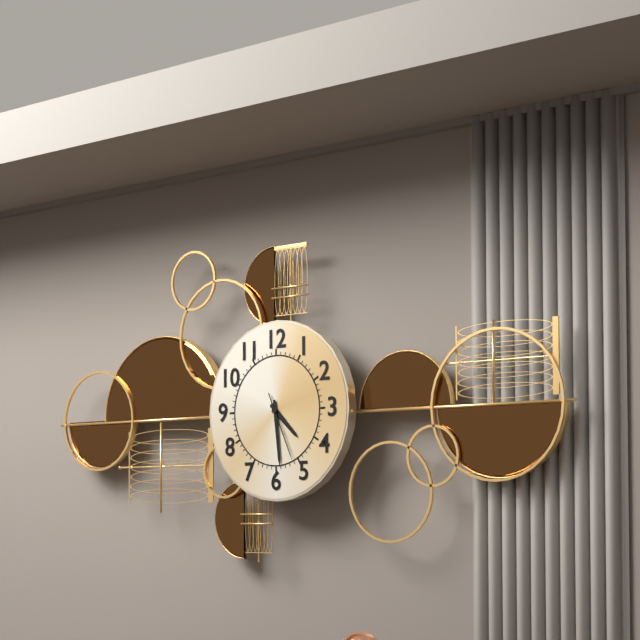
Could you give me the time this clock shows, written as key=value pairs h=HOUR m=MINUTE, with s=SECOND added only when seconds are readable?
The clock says h=4 m=29 s=26
